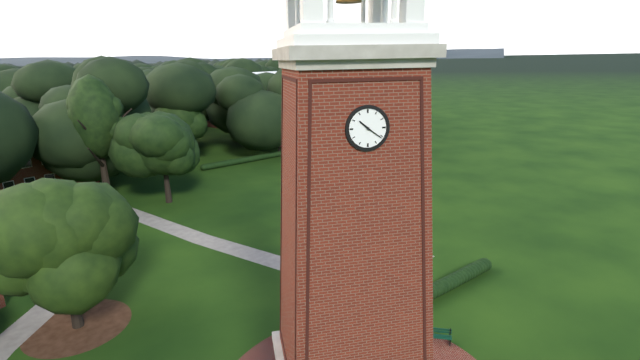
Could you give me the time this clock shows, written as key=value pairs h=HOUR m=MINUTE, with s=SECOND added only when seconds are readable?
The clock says h=10 m=21
